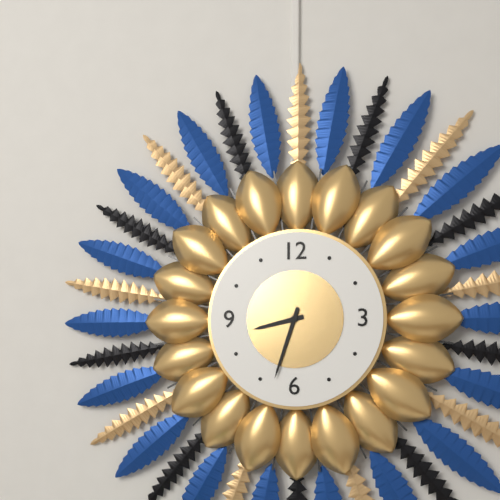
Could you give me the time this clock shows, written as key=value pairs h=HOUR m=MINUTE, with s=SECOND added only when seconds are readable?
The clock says h=8 m=33
